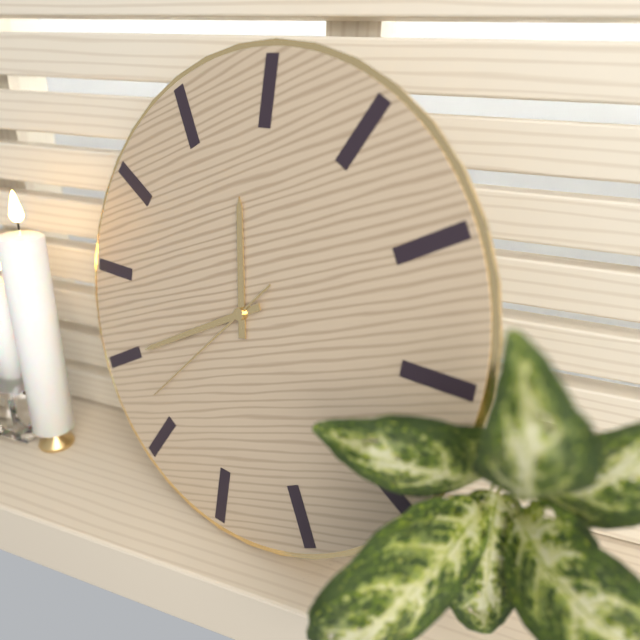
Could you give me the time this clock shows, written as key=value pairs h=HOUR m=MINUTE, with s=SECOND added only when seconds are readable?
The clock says h=11 m=40 s=37
